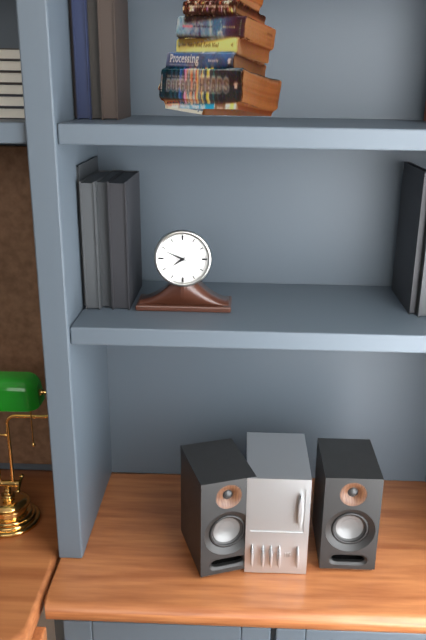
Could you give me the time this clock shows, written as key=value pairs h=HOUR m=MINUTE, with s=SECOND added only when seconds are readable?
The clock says h=7 m=49
